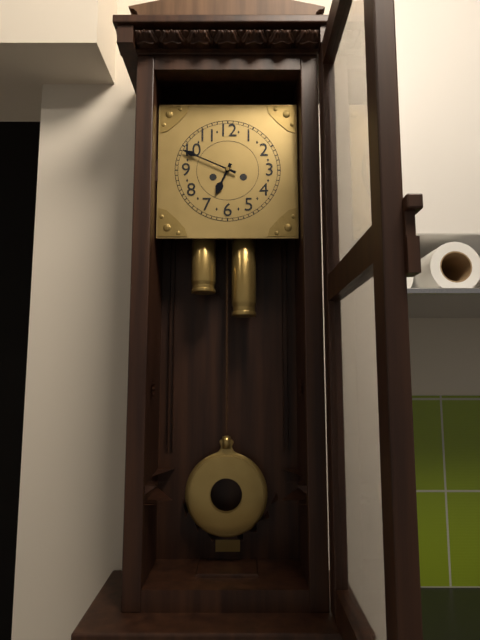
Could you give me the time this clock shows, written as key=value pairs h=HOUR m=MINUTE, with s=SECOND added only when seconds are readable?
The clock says h=6 m=49
